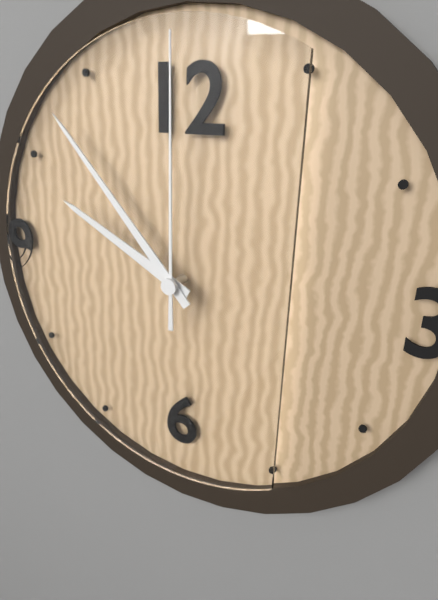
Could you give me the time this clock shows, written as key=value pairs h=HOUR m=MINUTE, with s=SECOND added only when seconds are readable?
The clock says h=9 m=53 s=0
